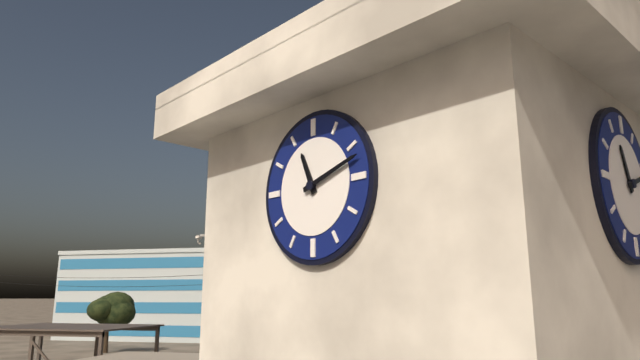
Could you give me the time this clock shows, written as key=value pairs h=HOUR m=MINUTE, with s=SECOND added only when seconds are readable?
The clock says h=11 m=12
